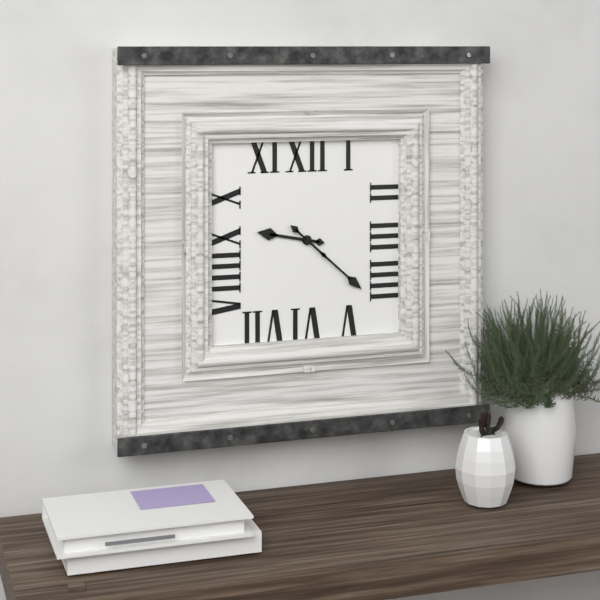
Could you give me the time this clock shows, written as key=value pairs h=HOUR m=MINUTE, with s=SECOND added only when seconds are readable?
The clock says h=9 m=22
